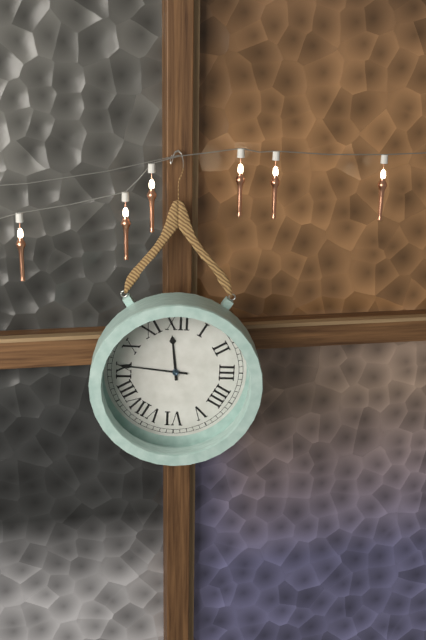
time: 11:46
